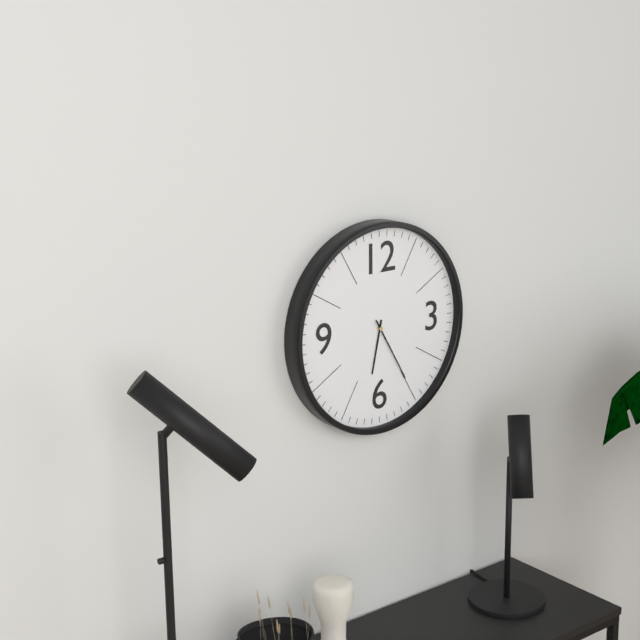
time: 6:25
